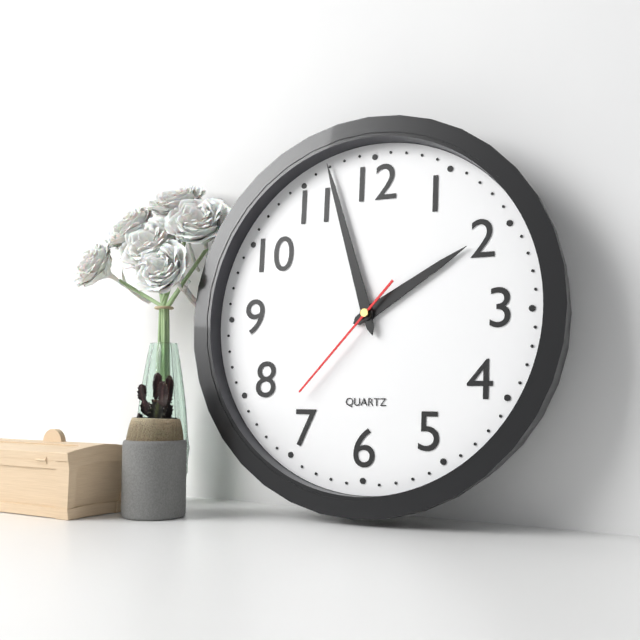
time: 1:57:37
